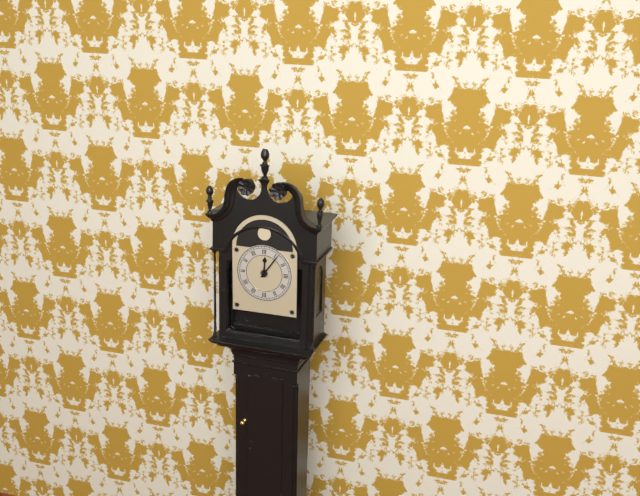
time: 12:06
